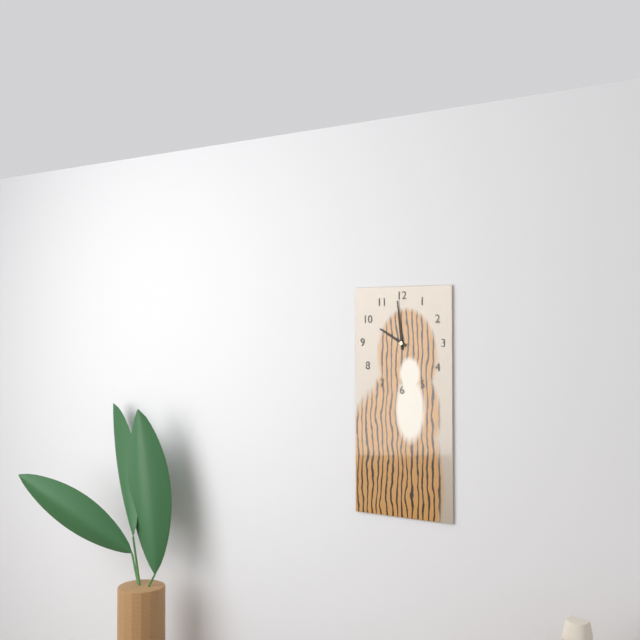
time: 9:59
